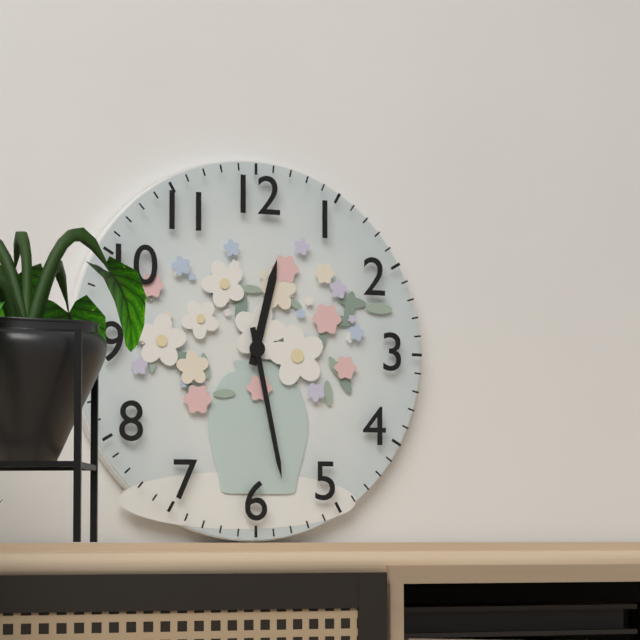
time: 12:28
